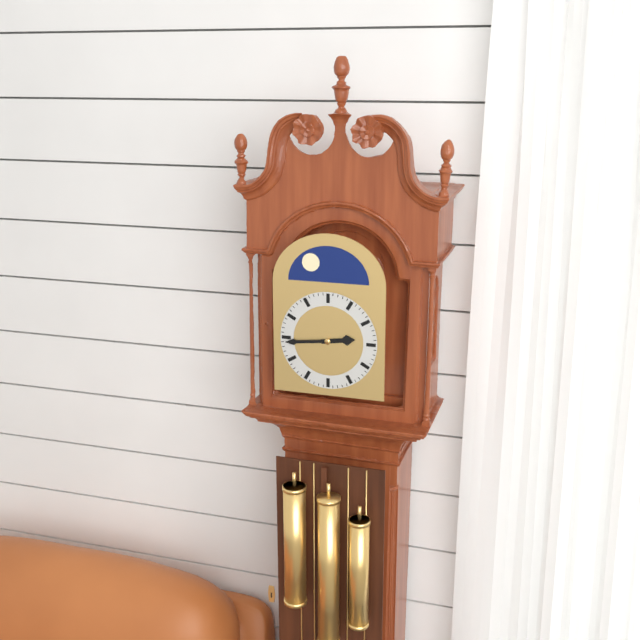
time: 2:44
